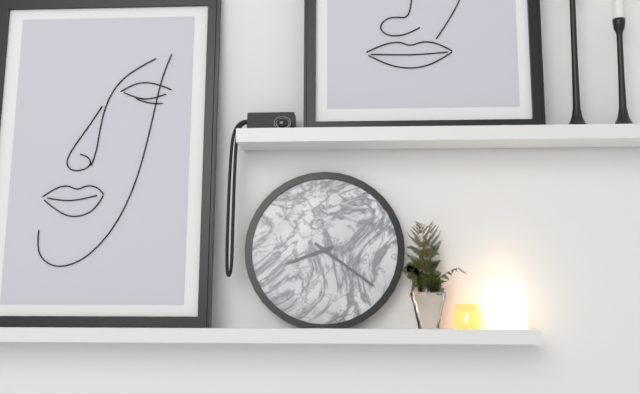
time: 8:21
